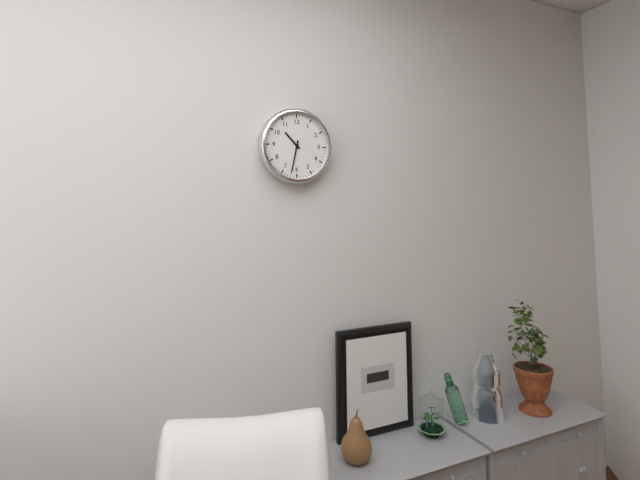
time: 10:32
